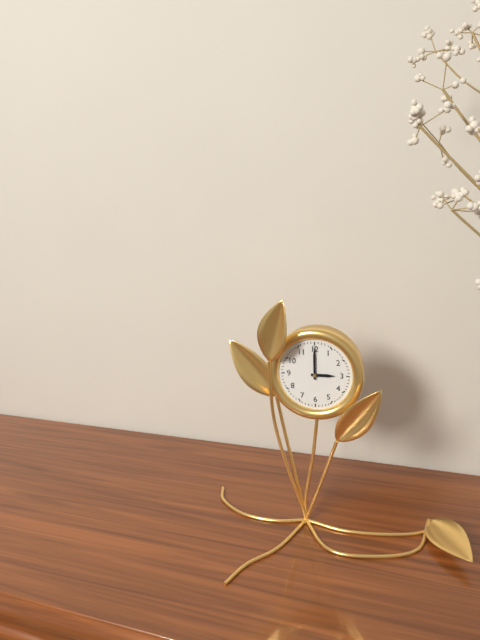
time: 3:00
